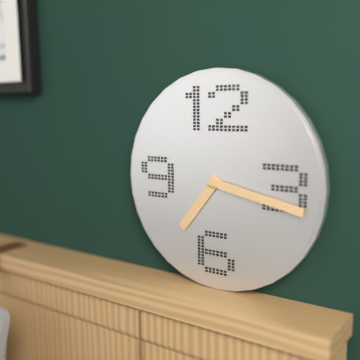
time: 7:17
